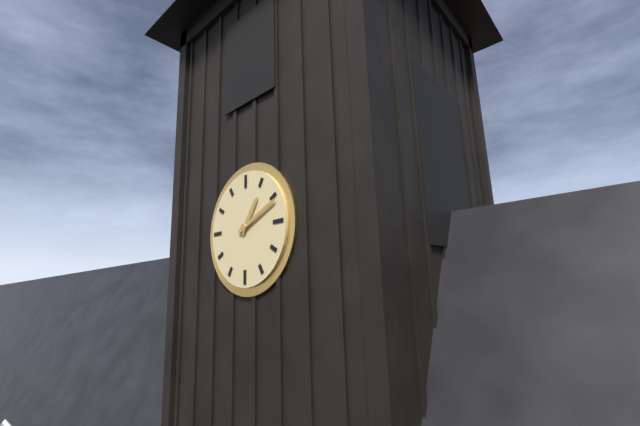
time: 1:11
